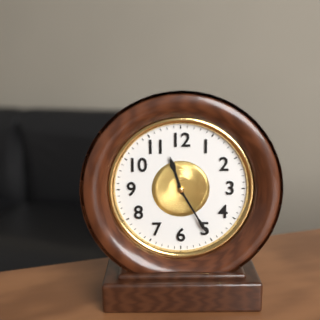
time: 11:25
